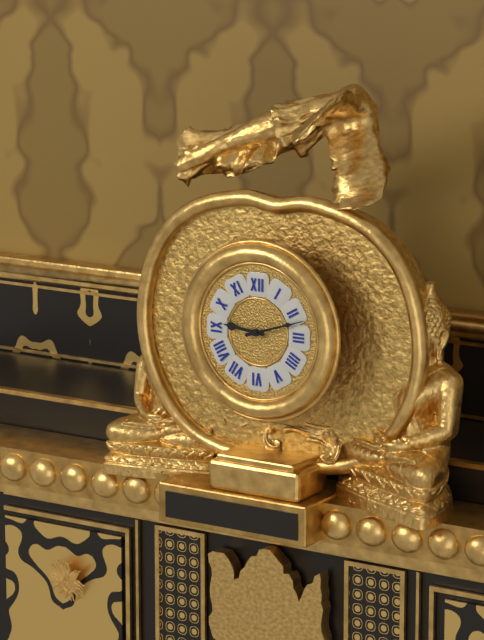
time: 9:12
